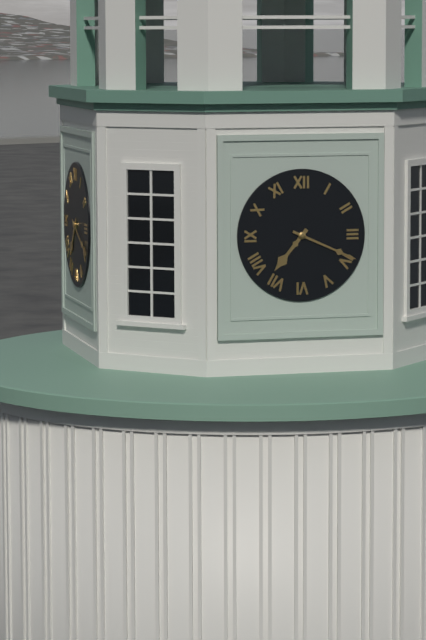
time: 7:19
